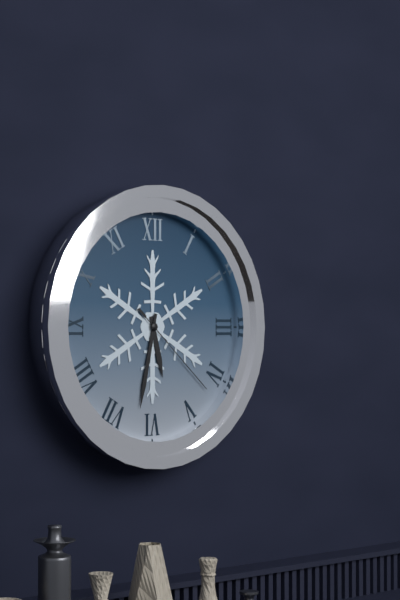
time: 5:32:22
